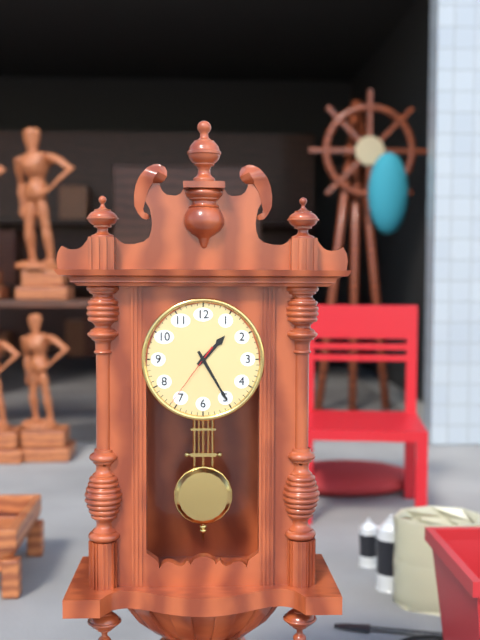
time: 1:25:36
